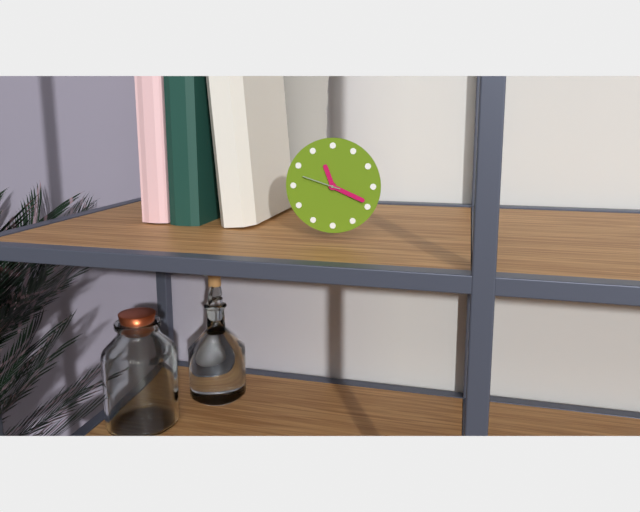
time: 11:19
